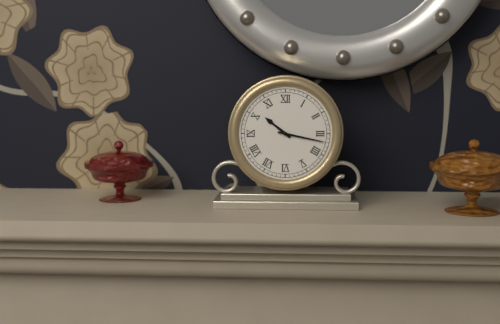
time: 10:17
